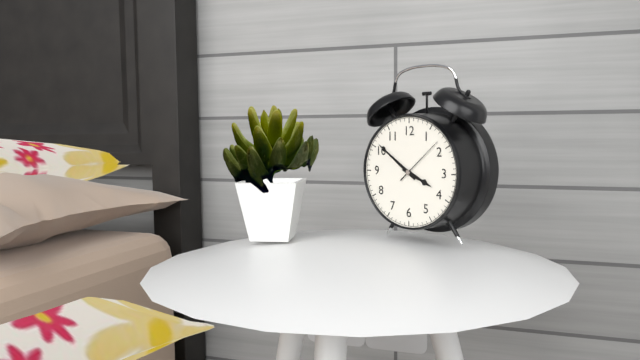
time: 3:51:08
